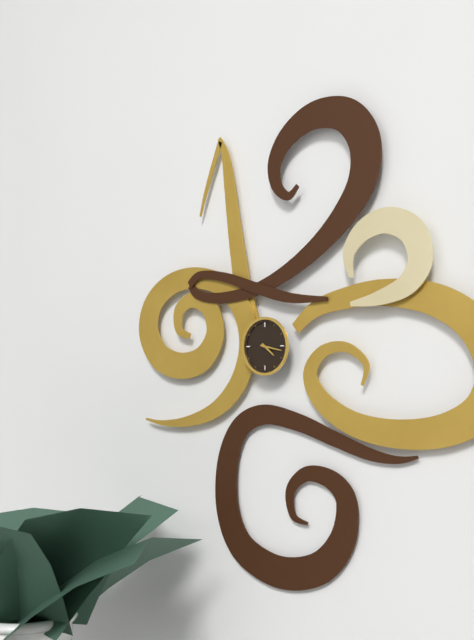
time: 4:17
